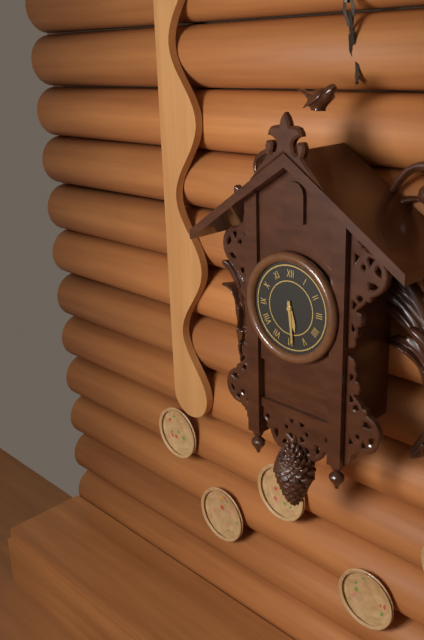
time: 5:29
